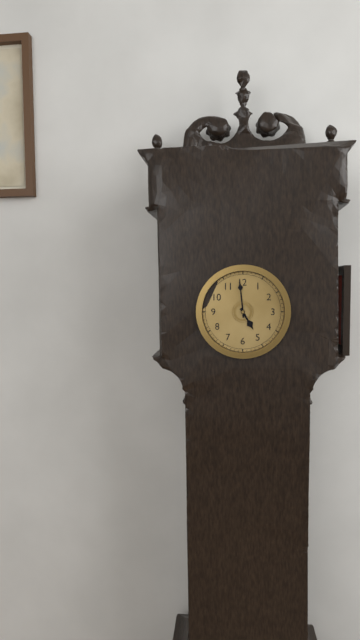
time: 4:59
